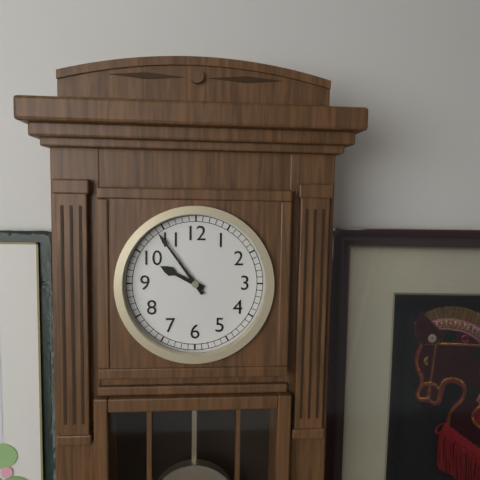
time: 9:54
